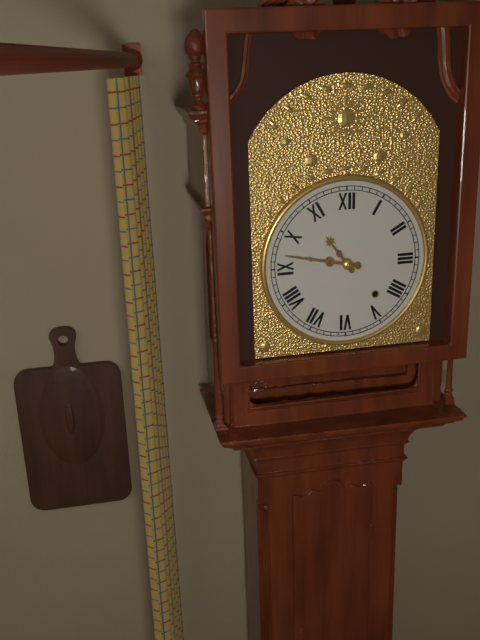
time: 10:47
